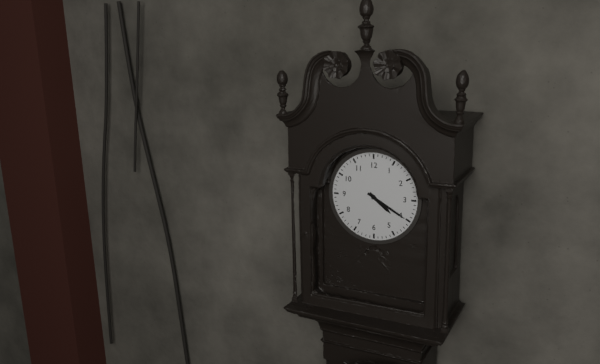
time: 4:20
